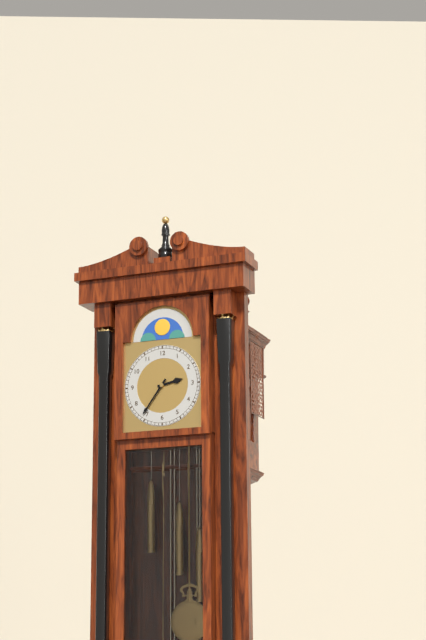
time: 2:36
